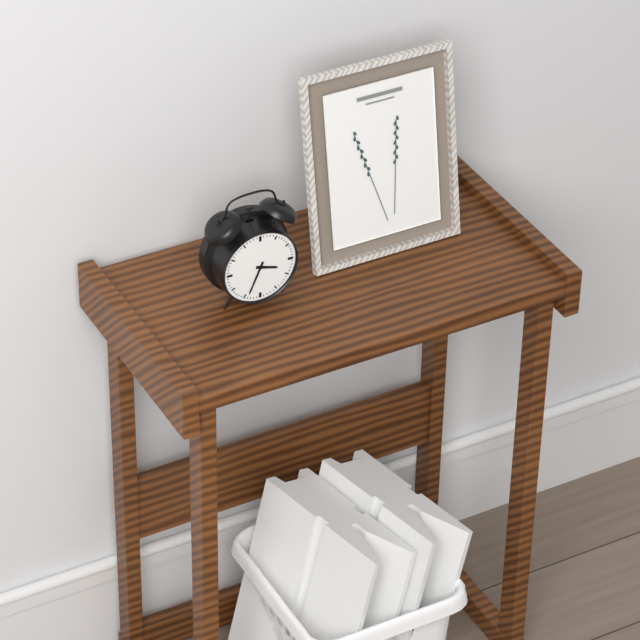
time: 3:34
